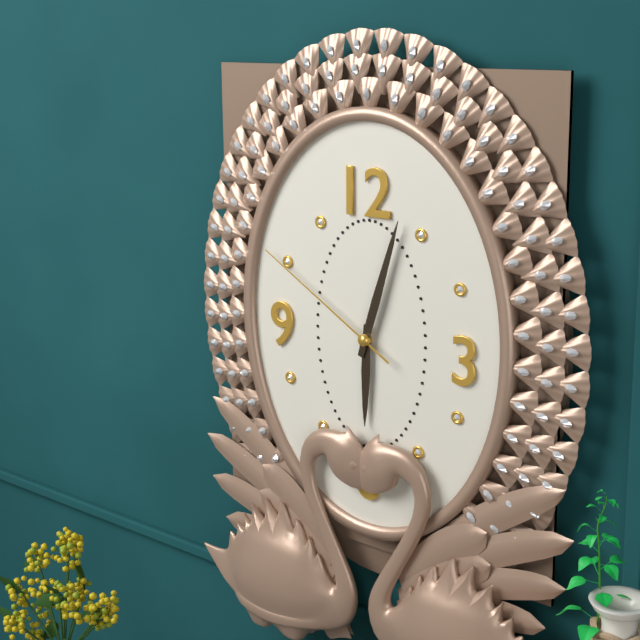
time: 6:03:50
